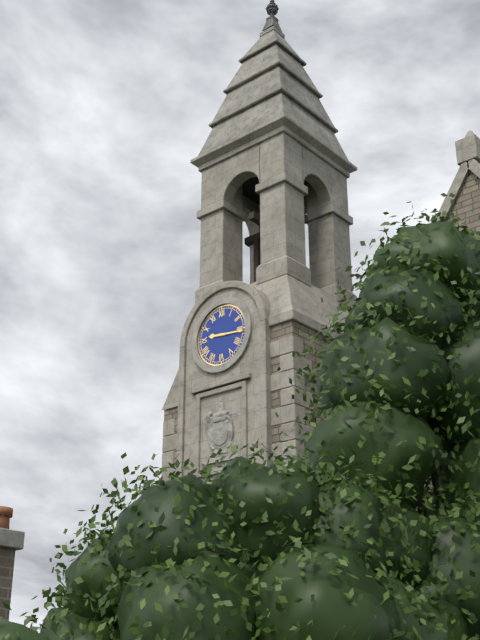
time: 9:16
